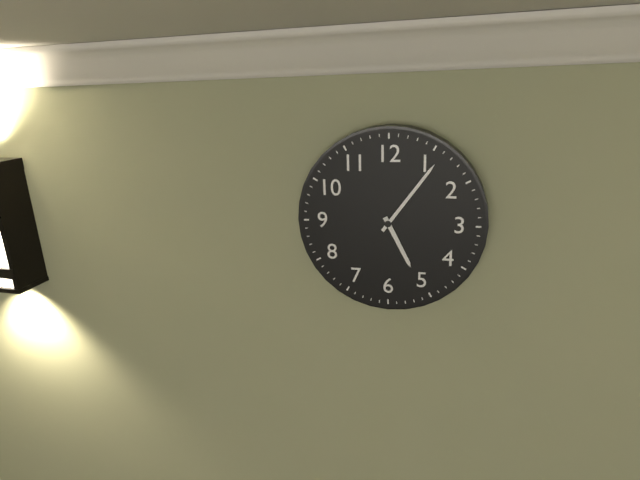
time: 5:06
